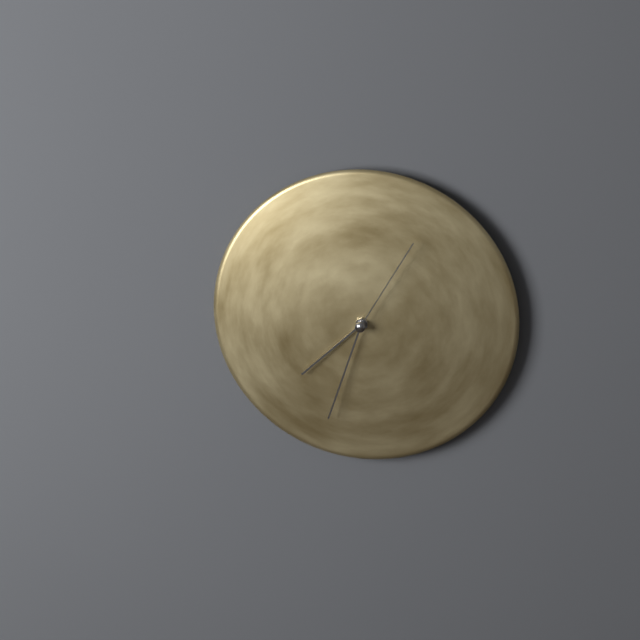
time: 7:33:05
